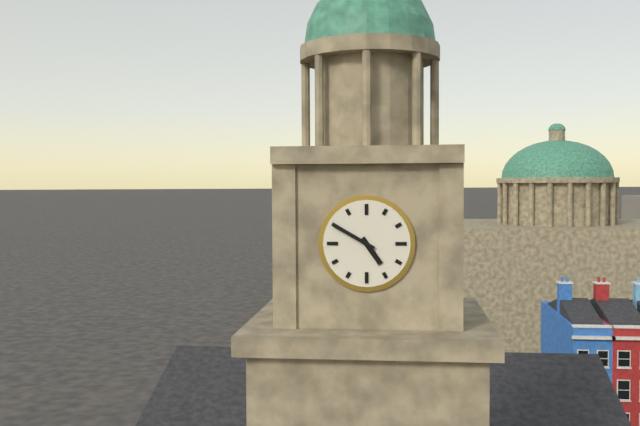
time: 4:50
